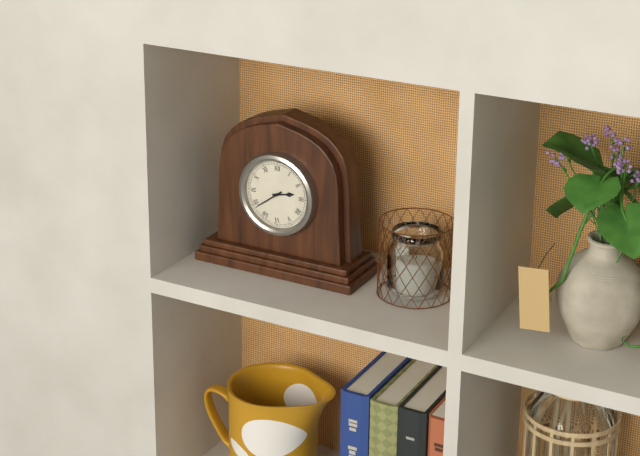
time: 2:39
